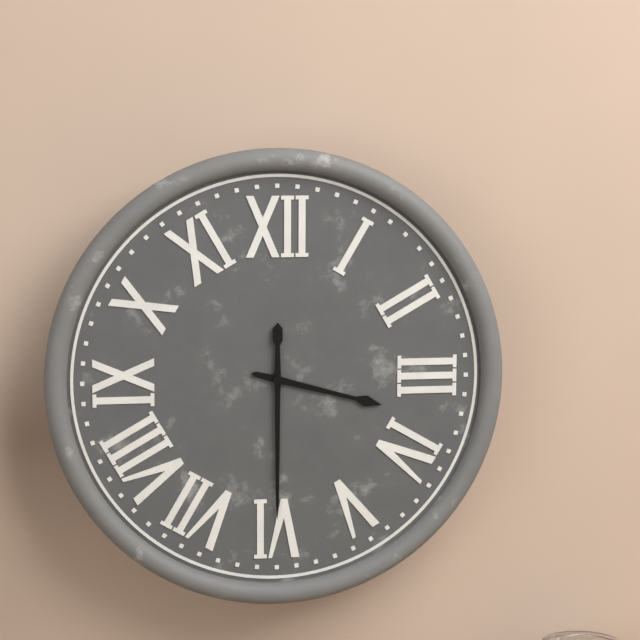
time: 3:30
